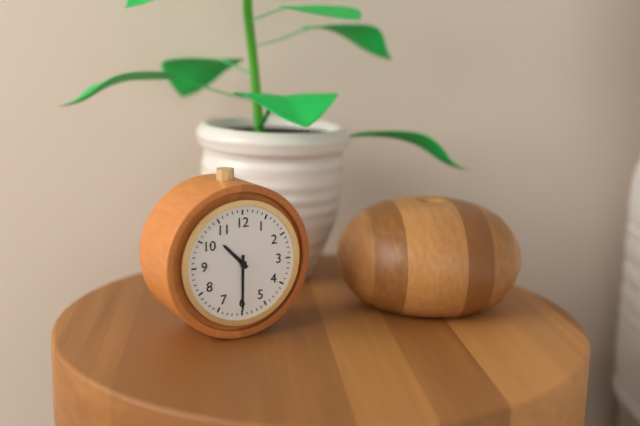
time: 10:30
